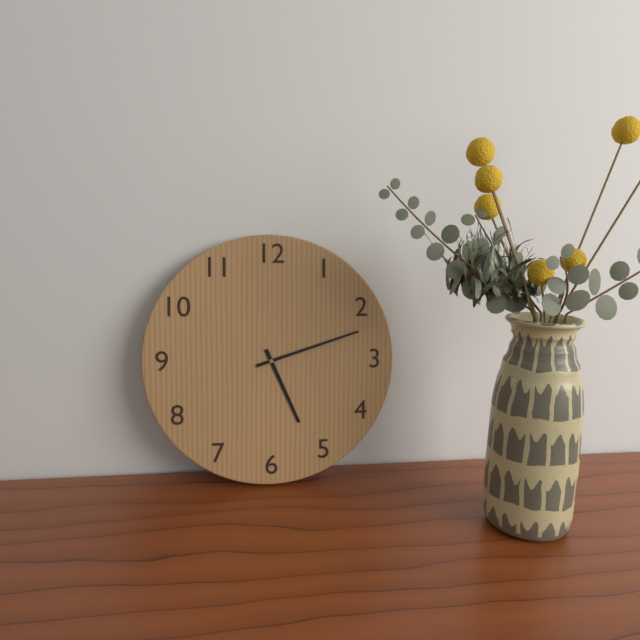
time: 5:12
